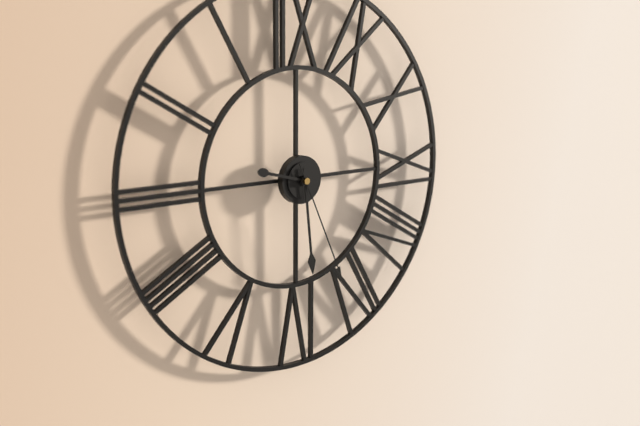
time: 9:29:26
